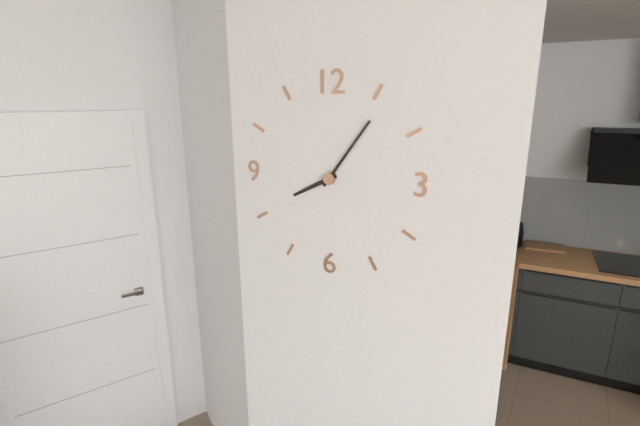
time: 8:06
